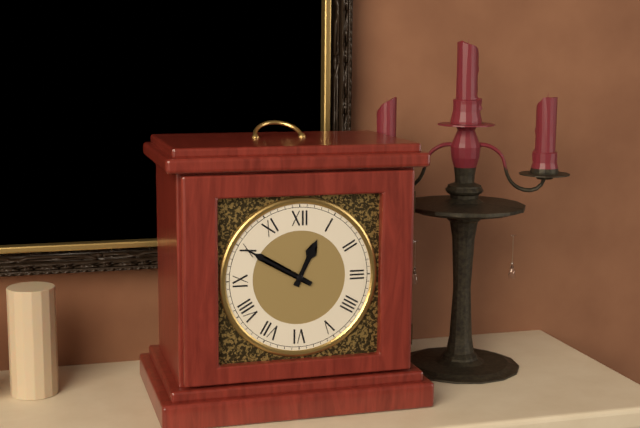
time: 12:50
